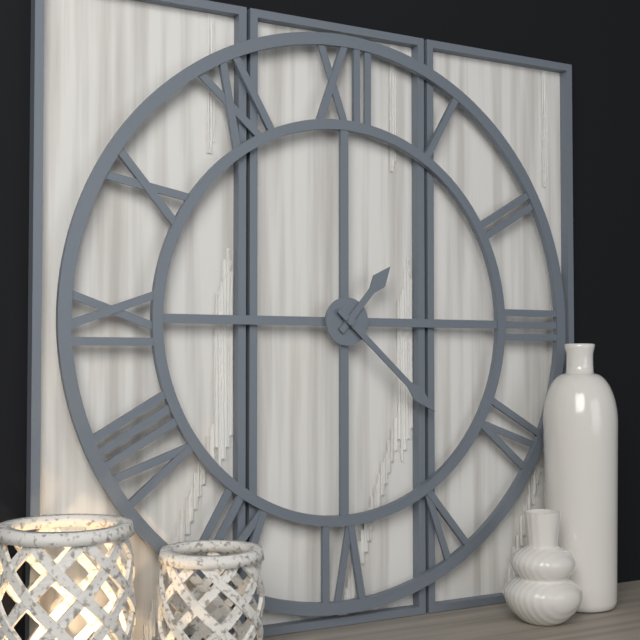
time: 1:22
